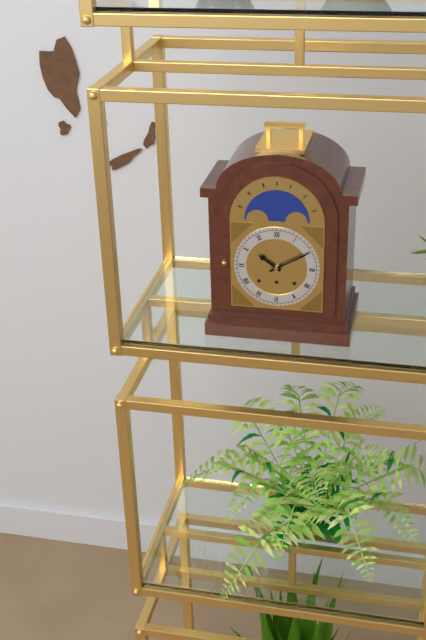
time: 10:10
